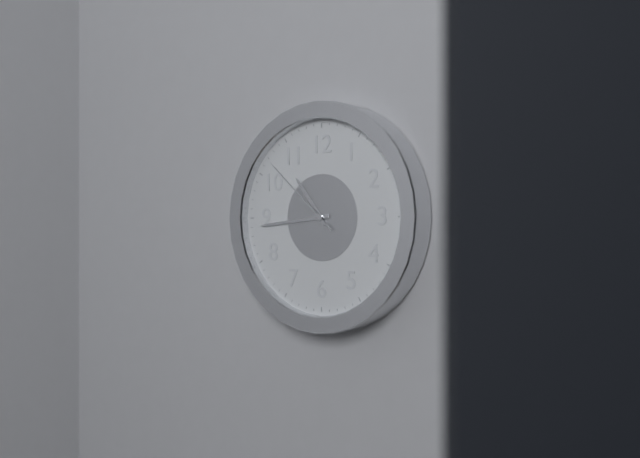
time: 10:44:52
